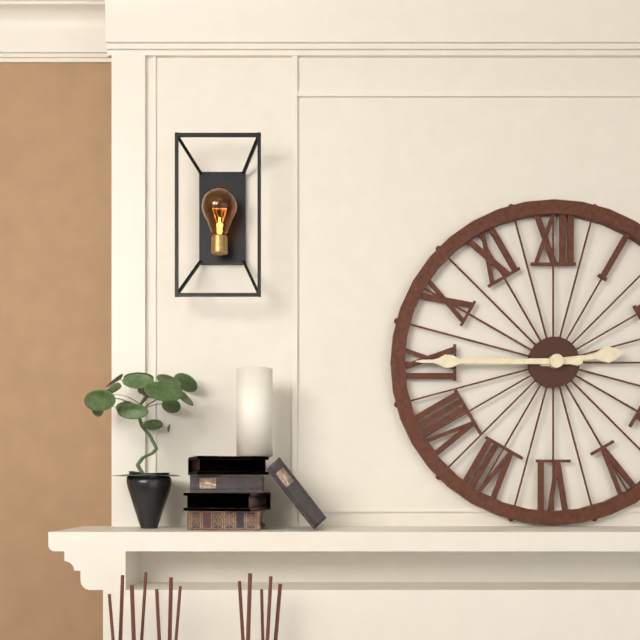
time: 2:45
